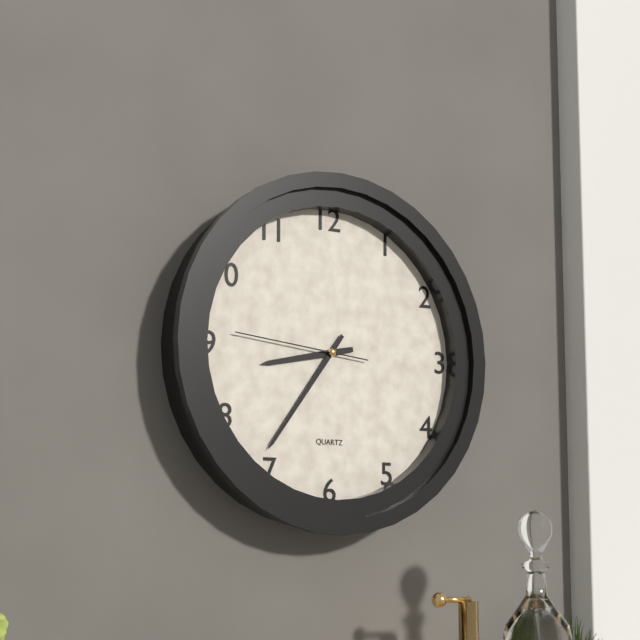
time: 8:36:46
